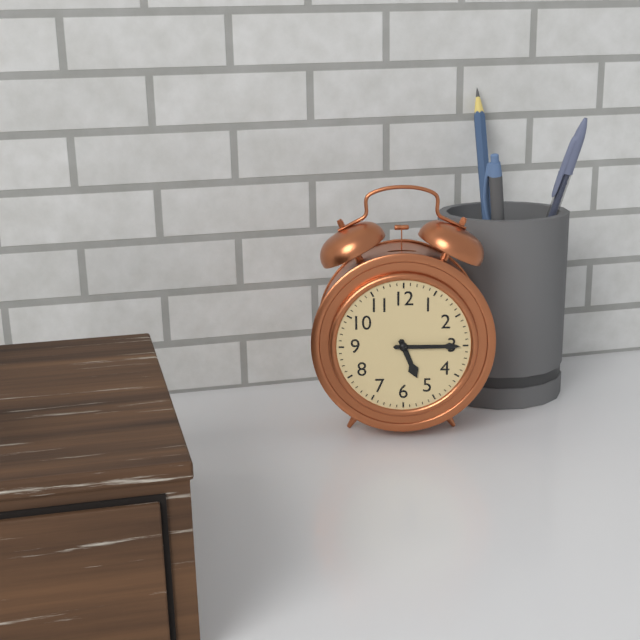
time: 5:15
